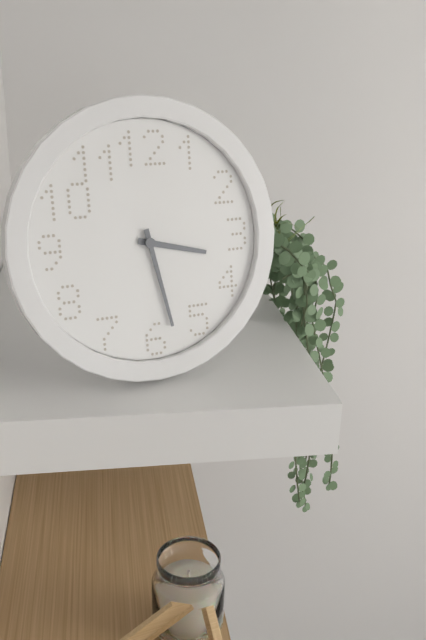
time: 3:28
